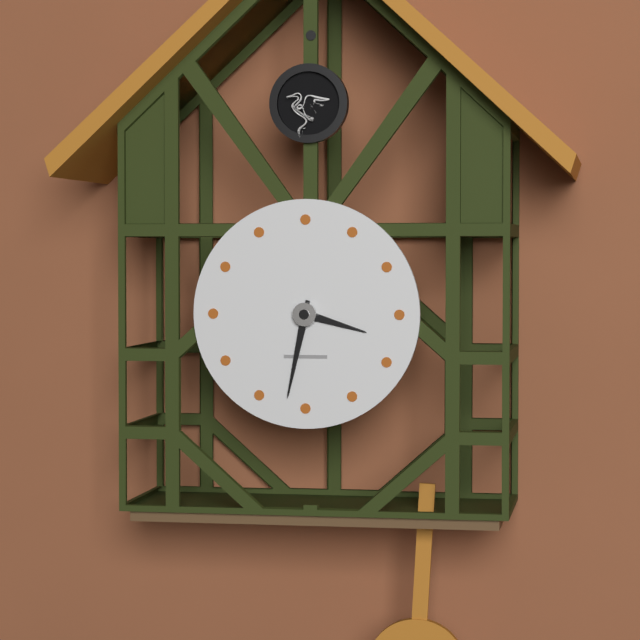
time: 3:32
